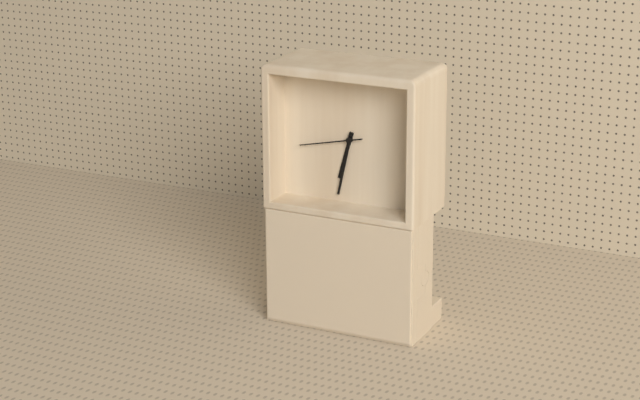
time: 6:32:43
